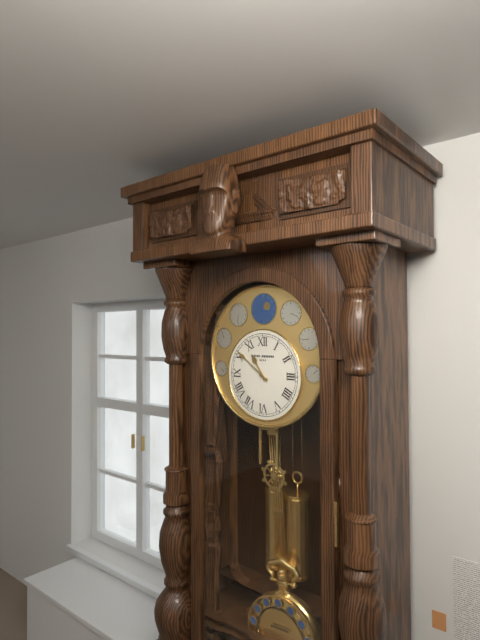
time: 10:51
